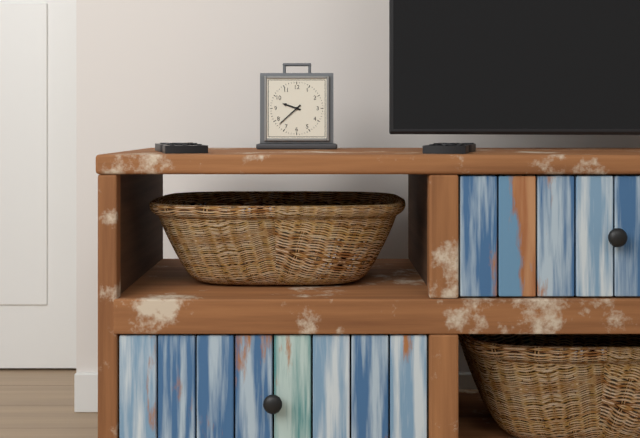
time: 9:38
